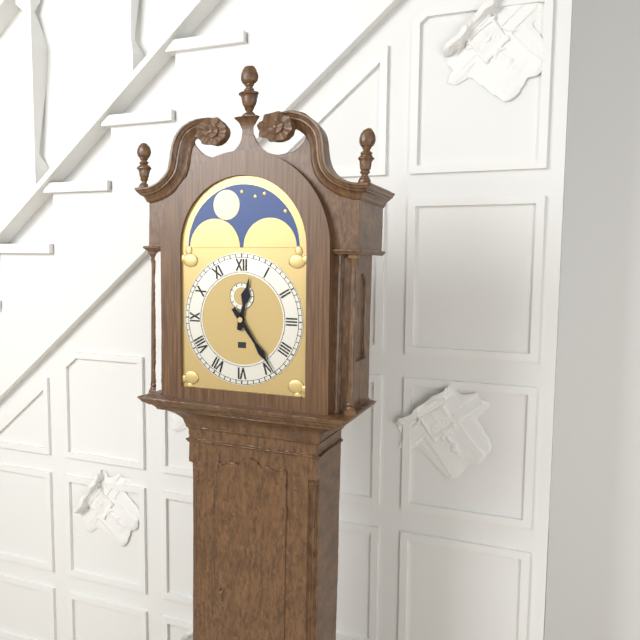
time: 12:24
